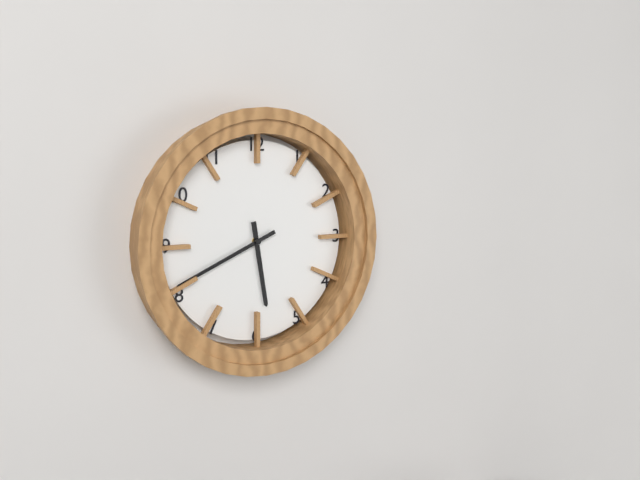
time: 5:41
